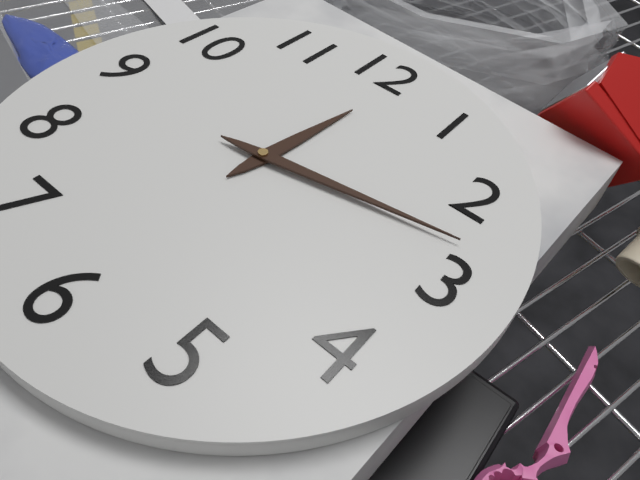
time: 12:13
